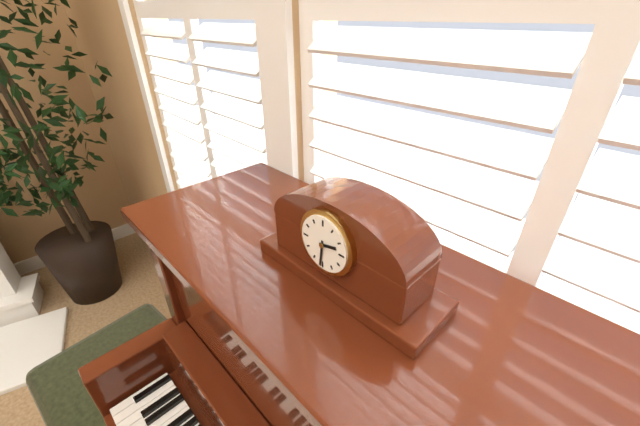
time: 2:31
